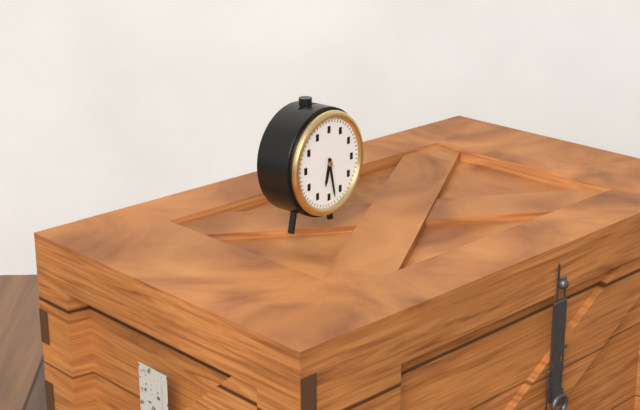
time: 6:28
